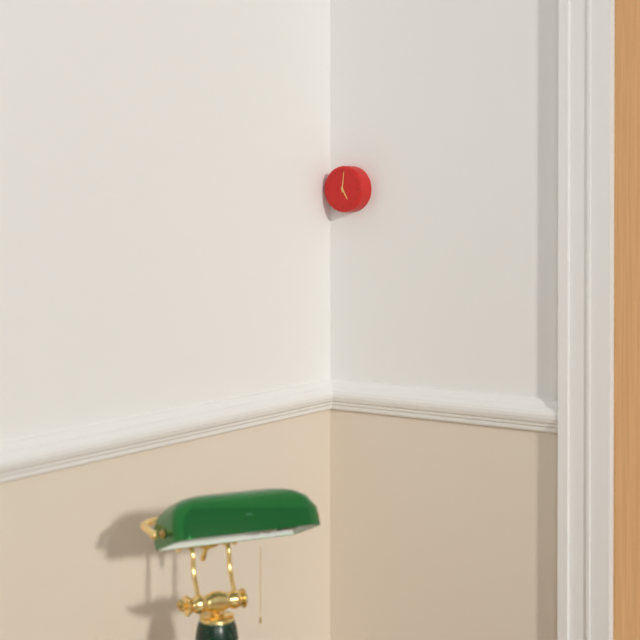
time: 5:01
